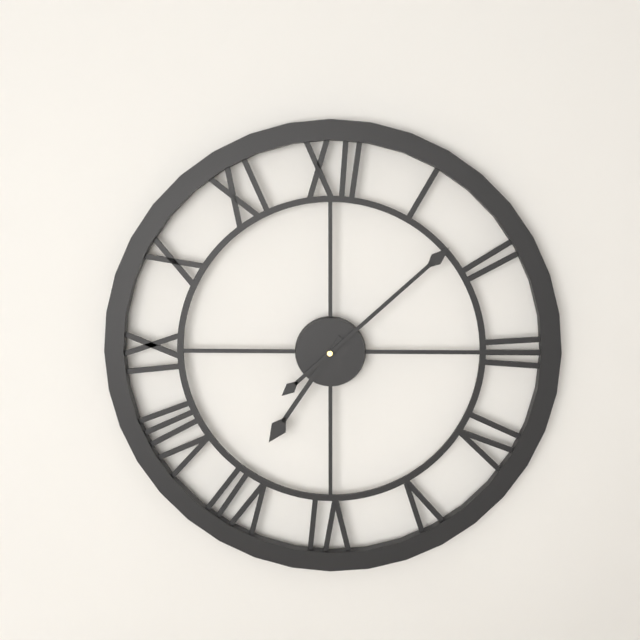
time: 7:08
